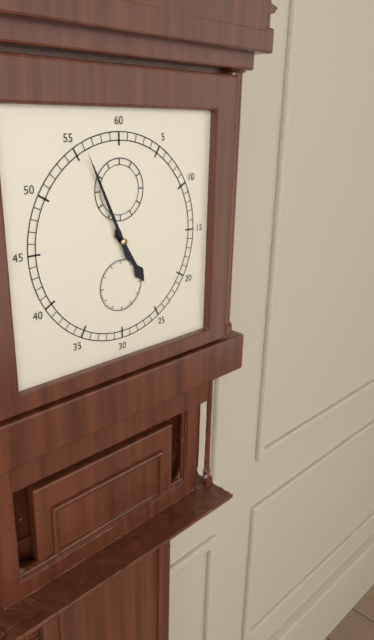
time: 4:56
